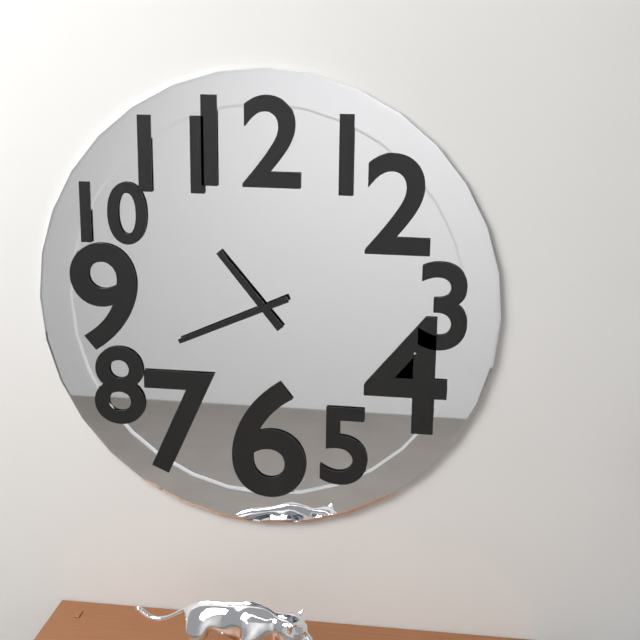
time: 10:41
